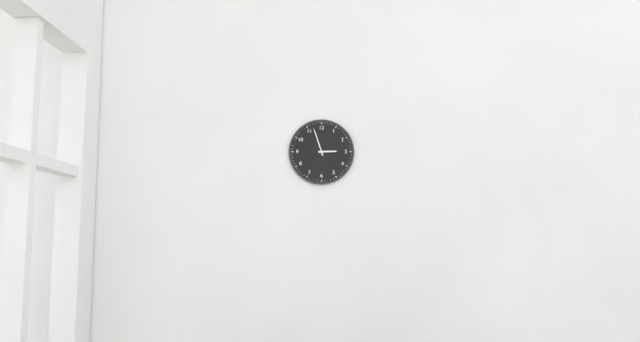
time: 2:57
